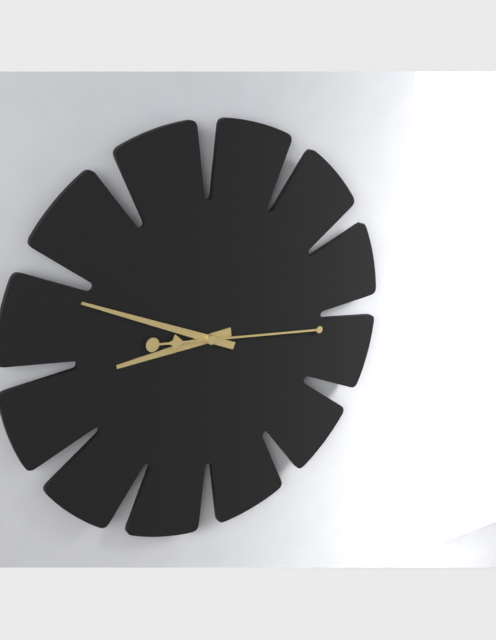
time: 8:49:16
